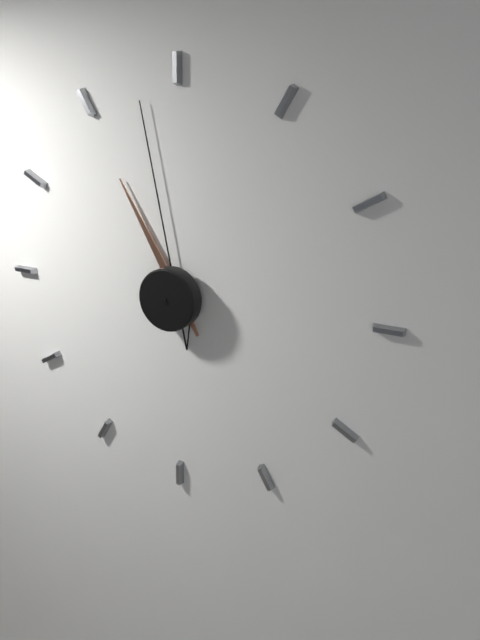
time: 10:58
